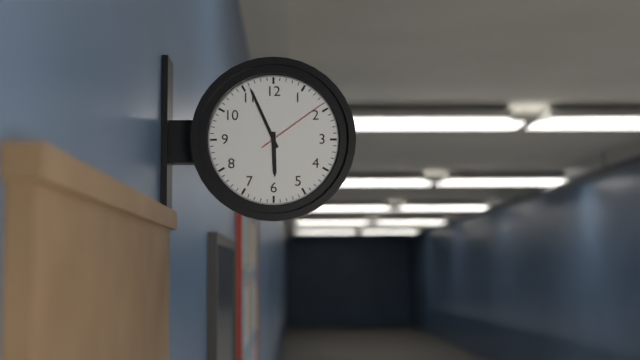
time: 5:56:09
